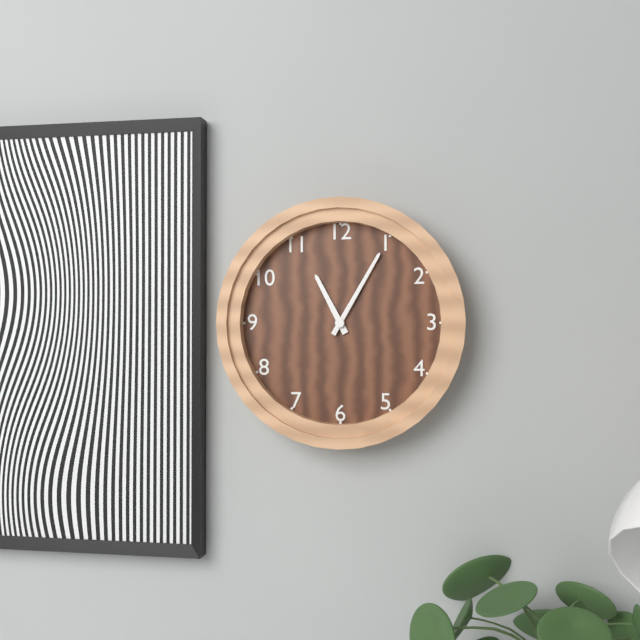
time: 11:05
